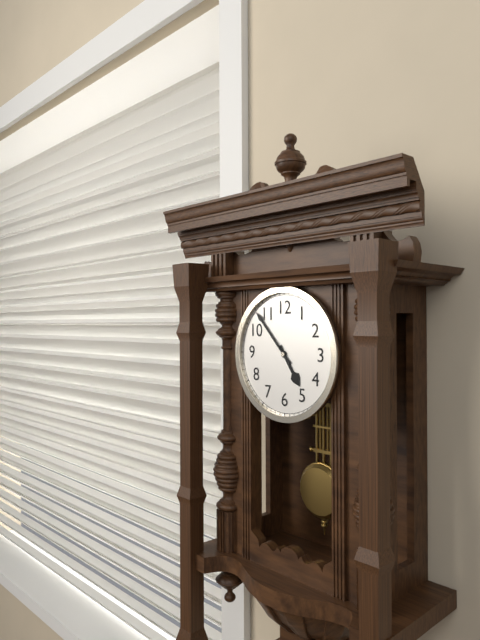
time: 4:53
